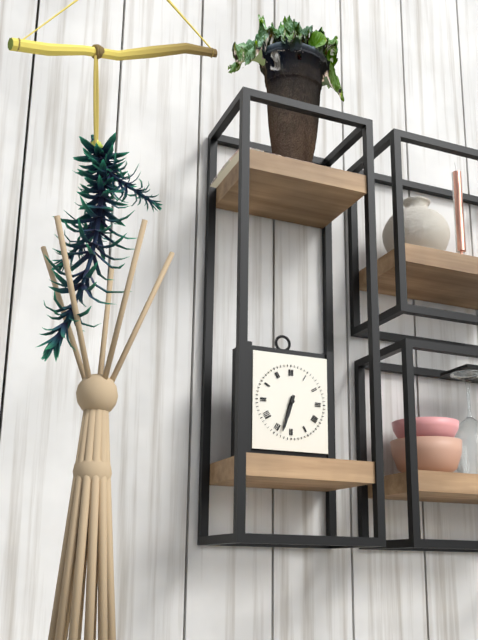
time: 6:33
